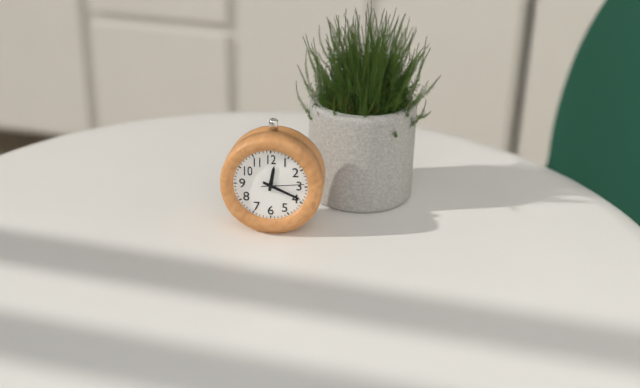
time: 12:19
